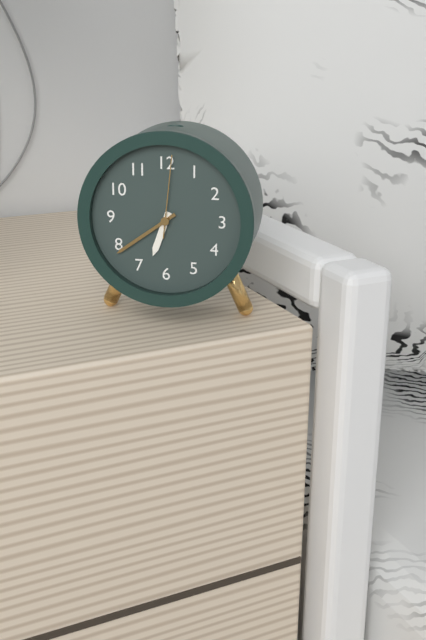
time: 6:39:01
